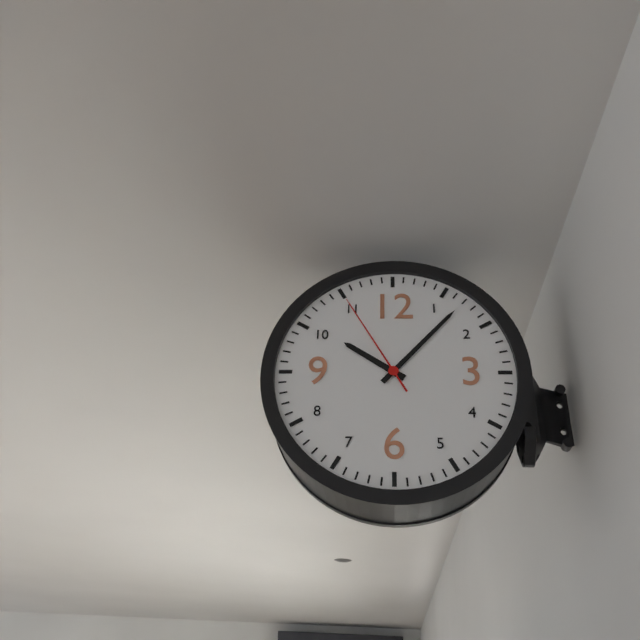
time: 10:07:55
